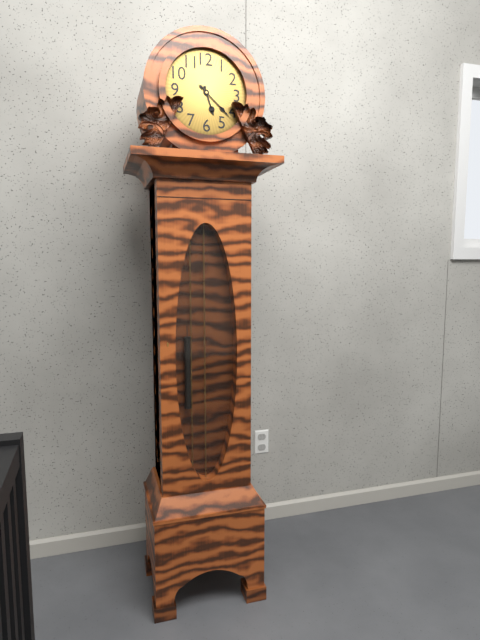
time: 5:22
